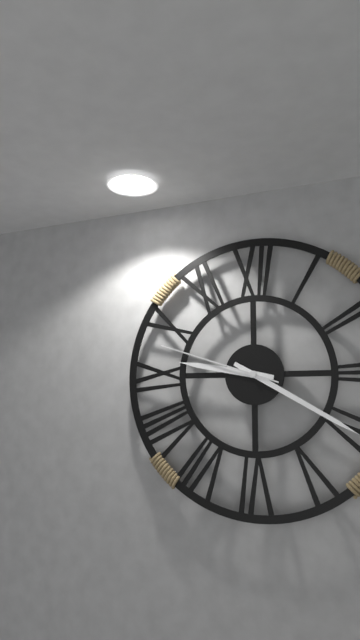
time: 9:20:48
